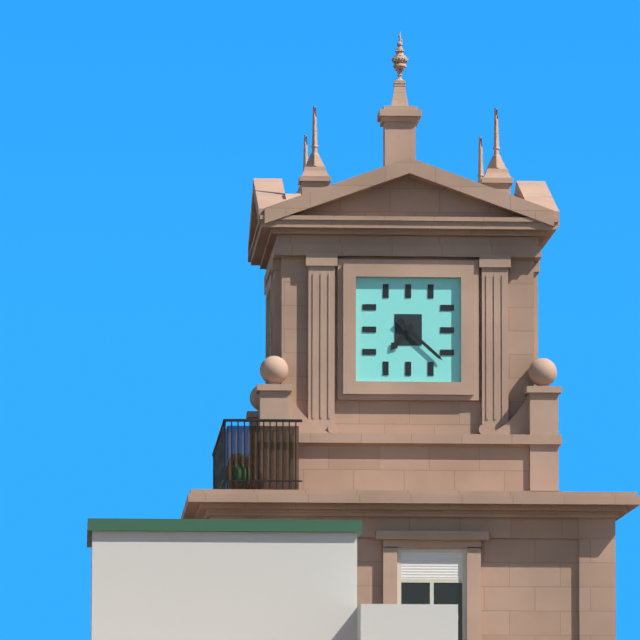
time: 7:22
